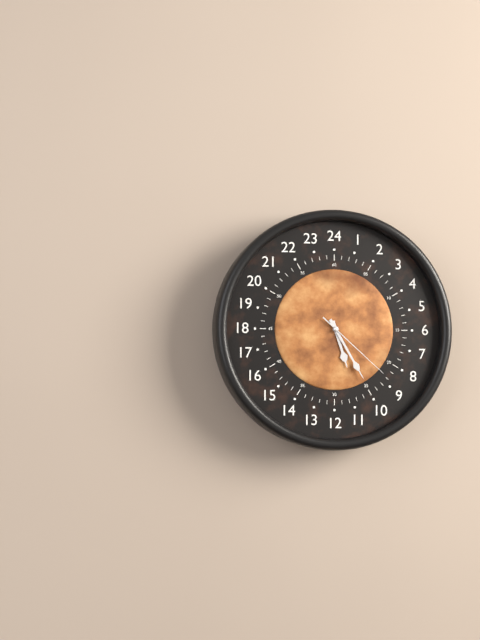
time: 5:25:22
